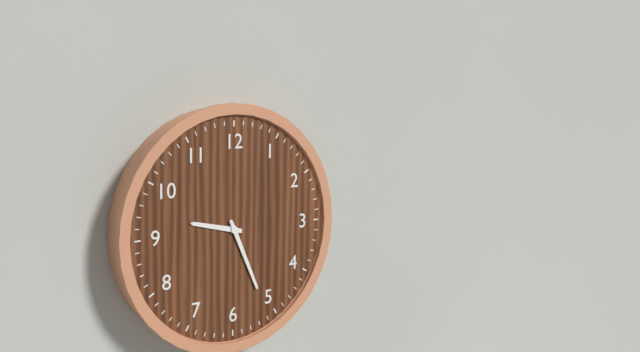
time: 9:26
